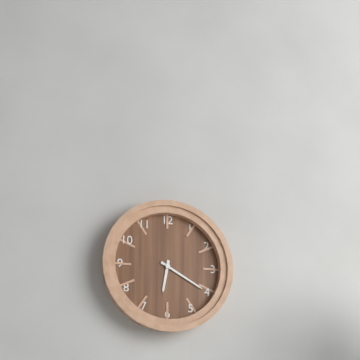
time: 6:20
